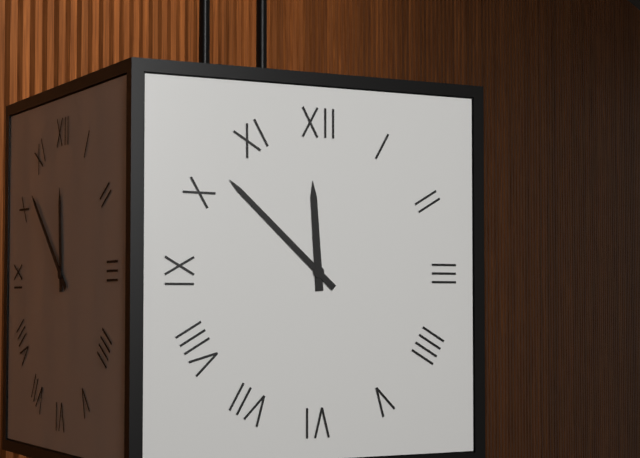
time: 11:52
